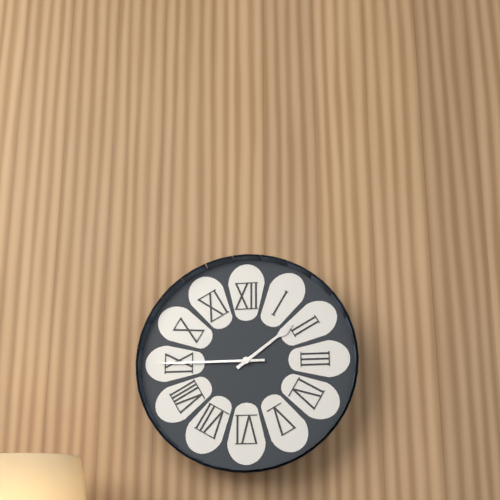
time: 1:45
